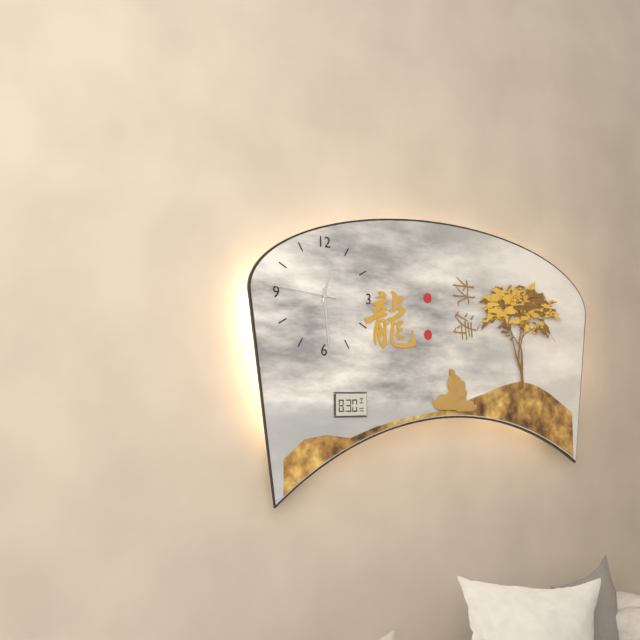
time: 12:29:46
